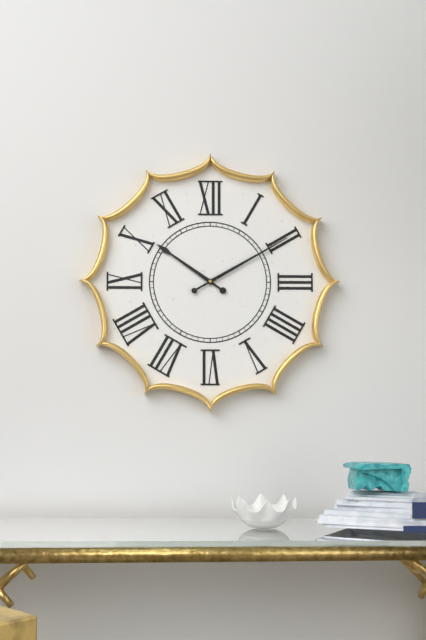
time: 10:10
